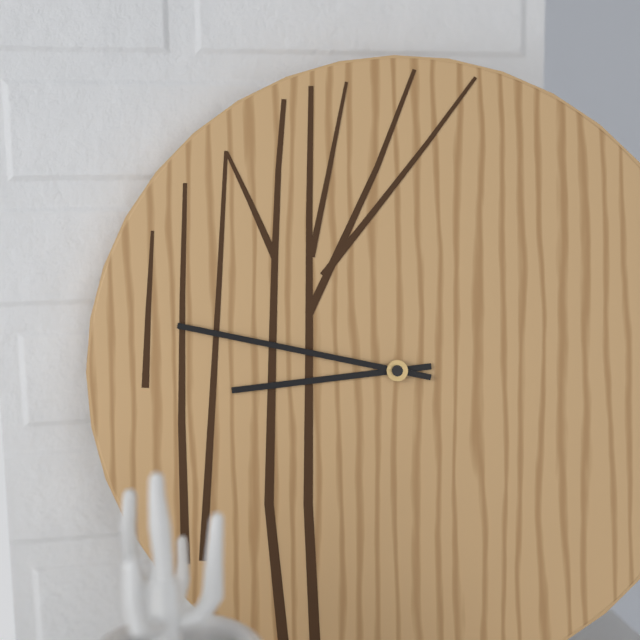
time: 8:47
